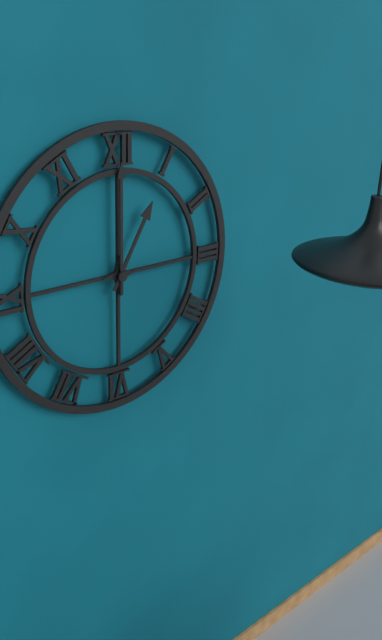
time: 1:00
